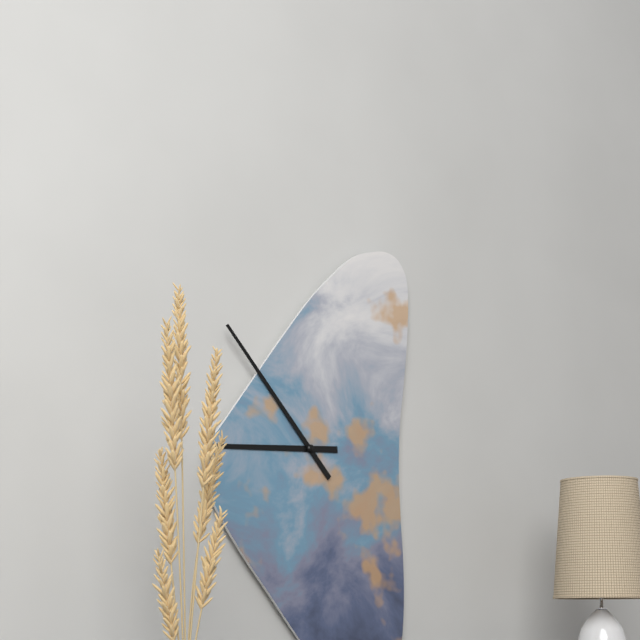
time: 8:53
